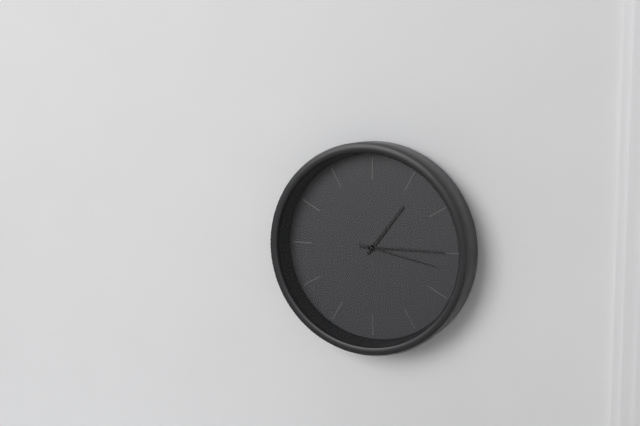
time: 1:15:17
